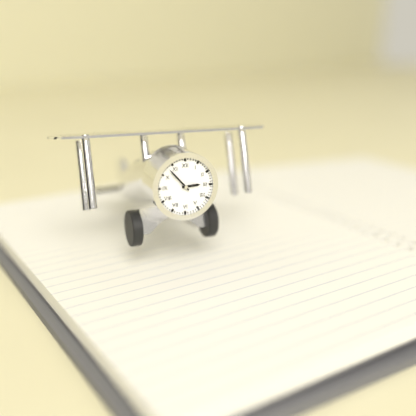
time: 2:53
